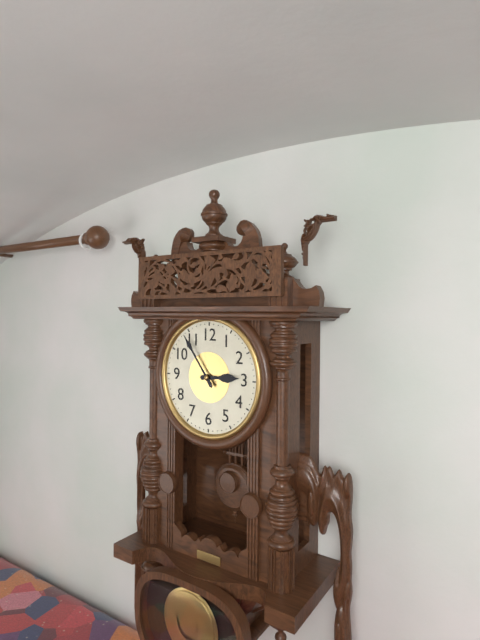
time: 2:54
